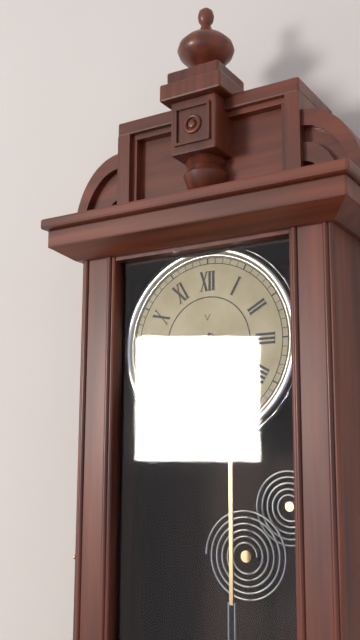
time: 6:43
